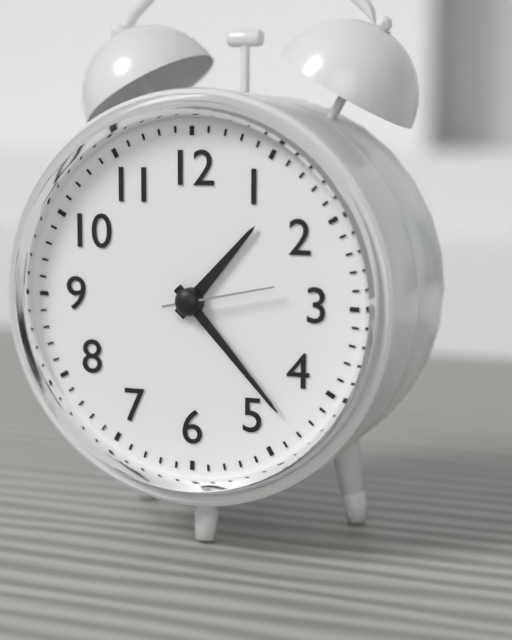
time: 1:23:13
